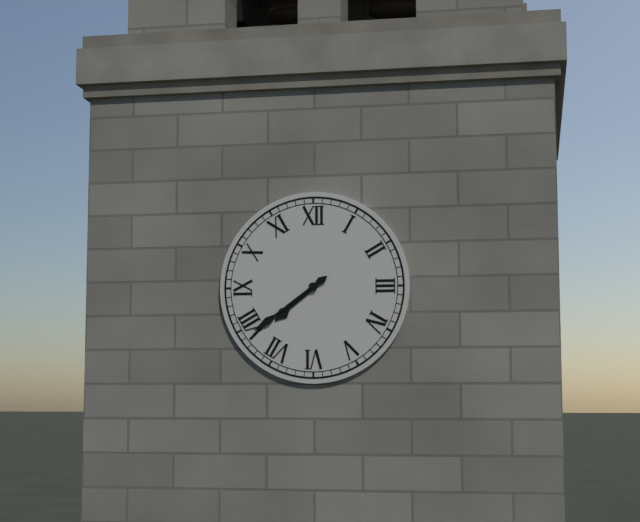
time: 7:39
